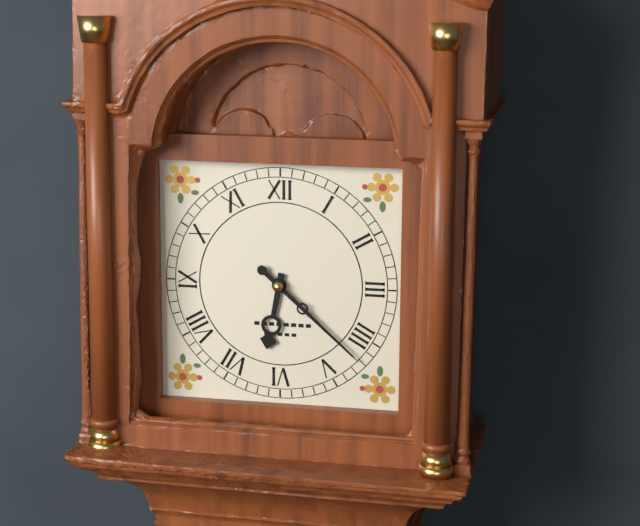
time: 6:22
